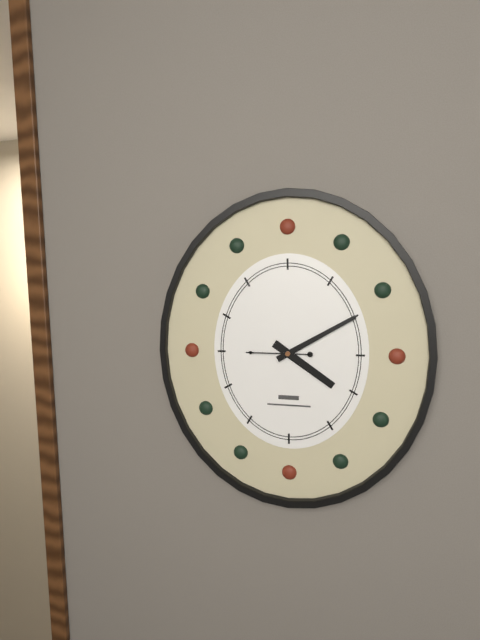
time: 4:10:45
